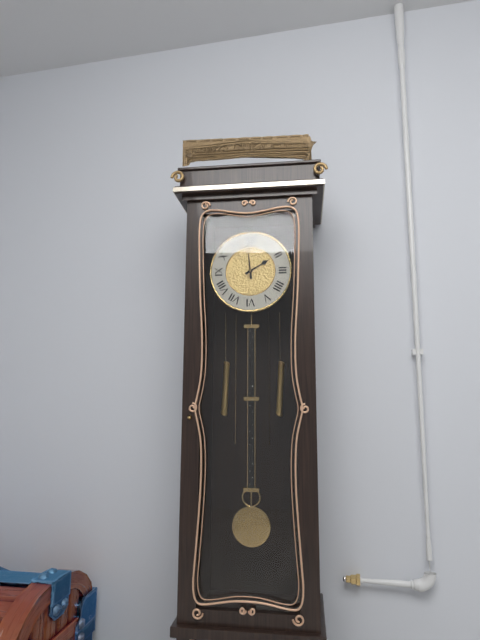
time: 1:59
